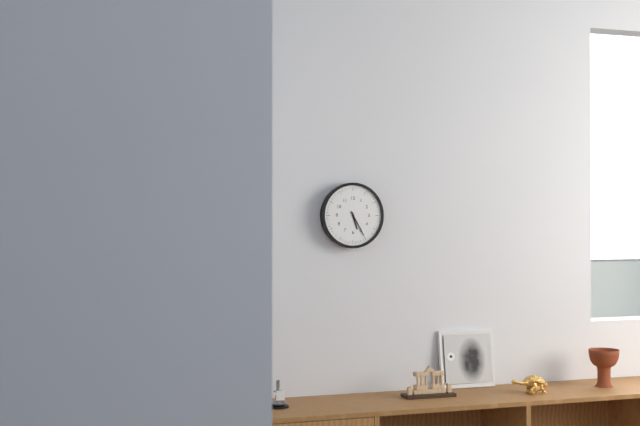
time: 5:25
